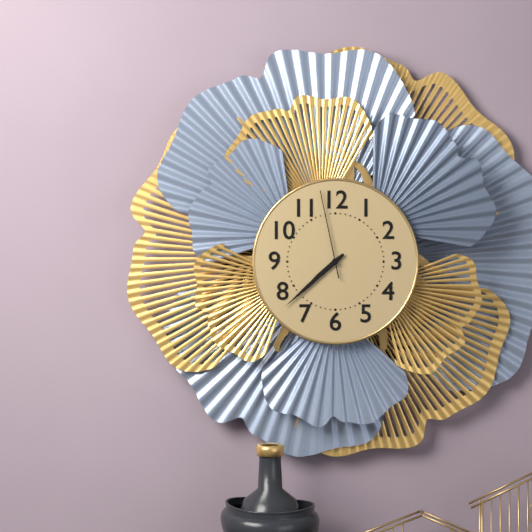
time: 7:38:58
